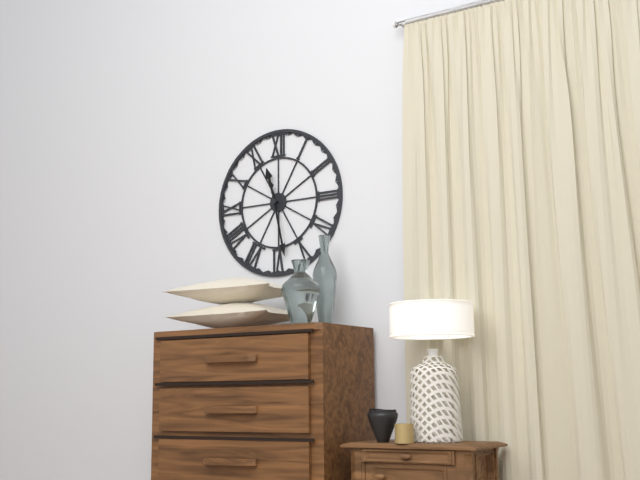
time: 11:28
